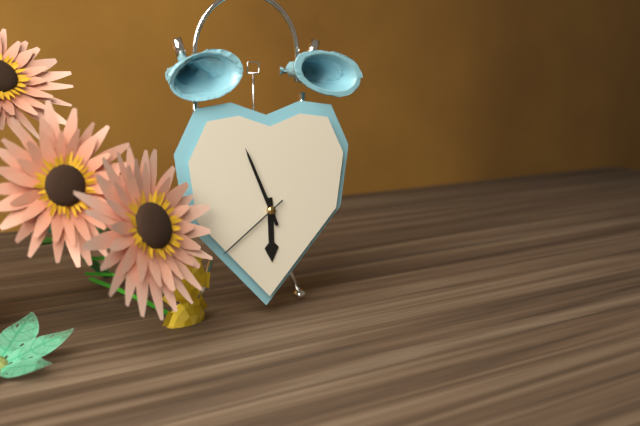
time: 5:56:39
